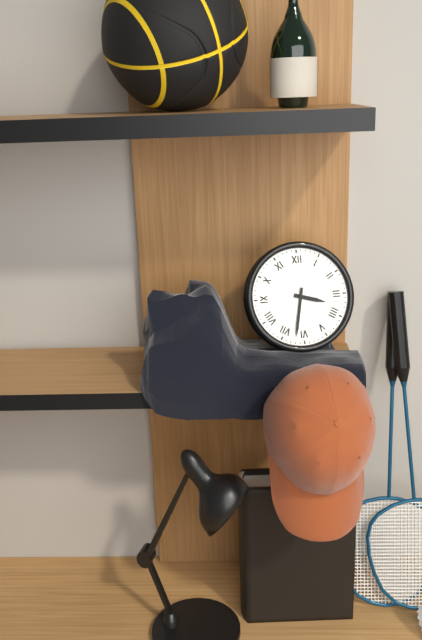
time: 3:32
